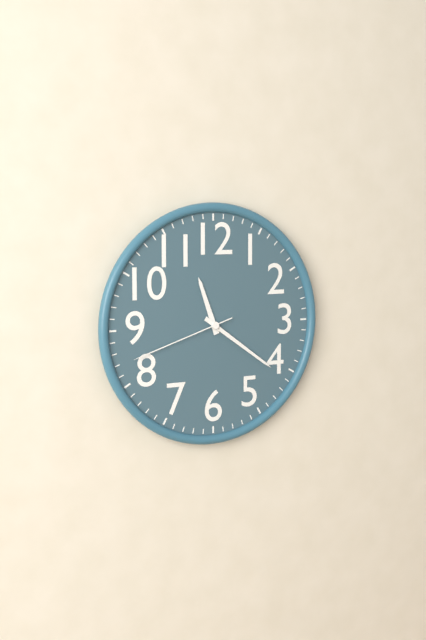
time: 11:21:42
